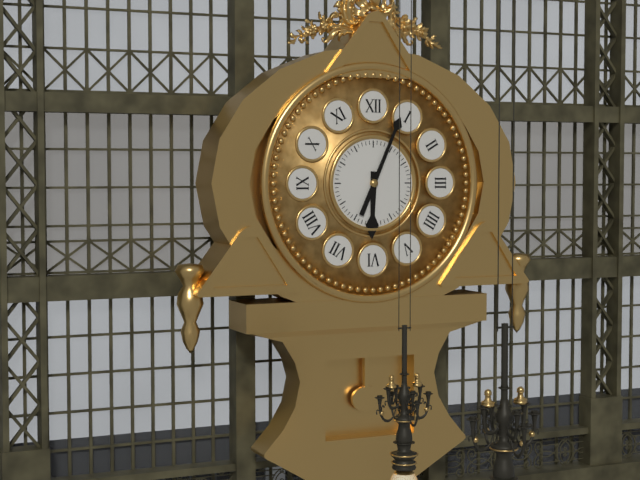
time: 6:04
